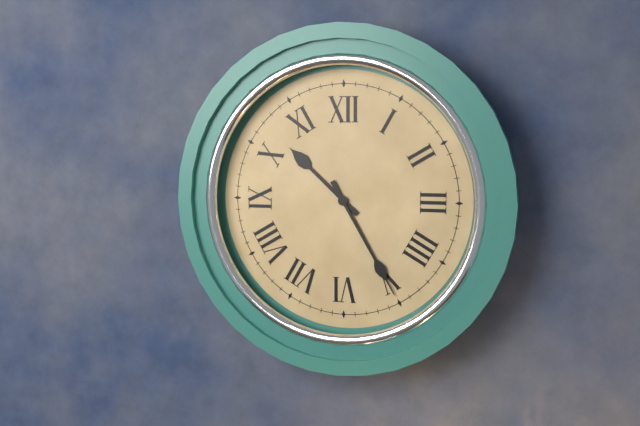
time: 10:25
